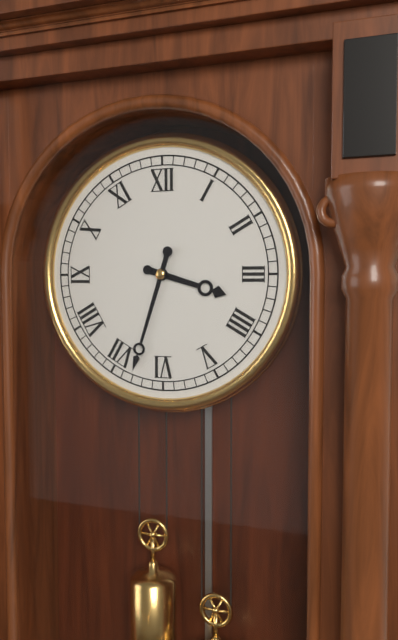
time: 3:33
